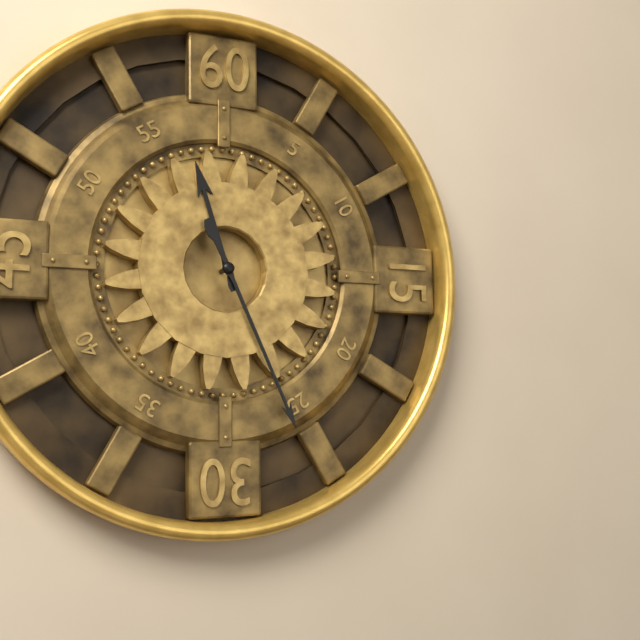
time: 11:26
